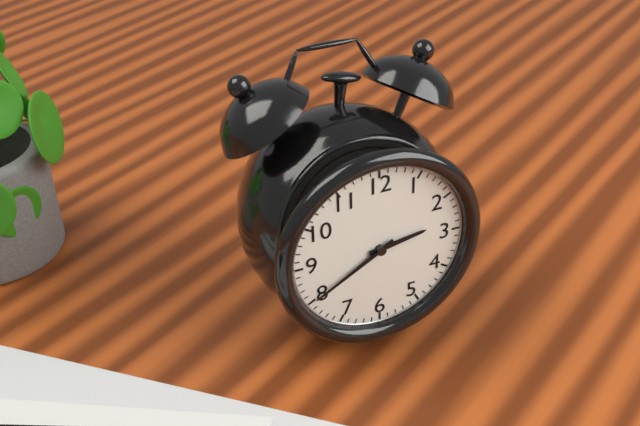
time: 2:40
